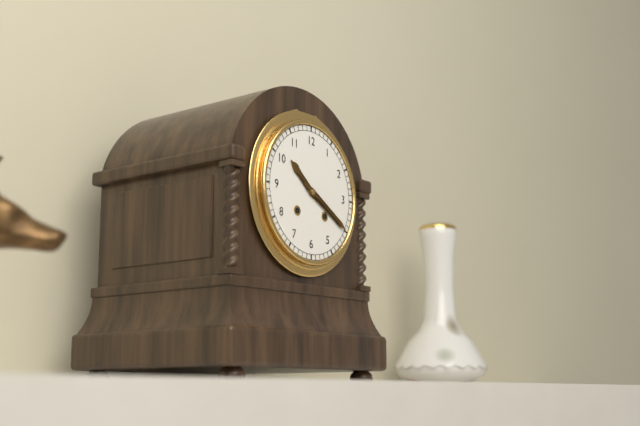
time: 10:20
